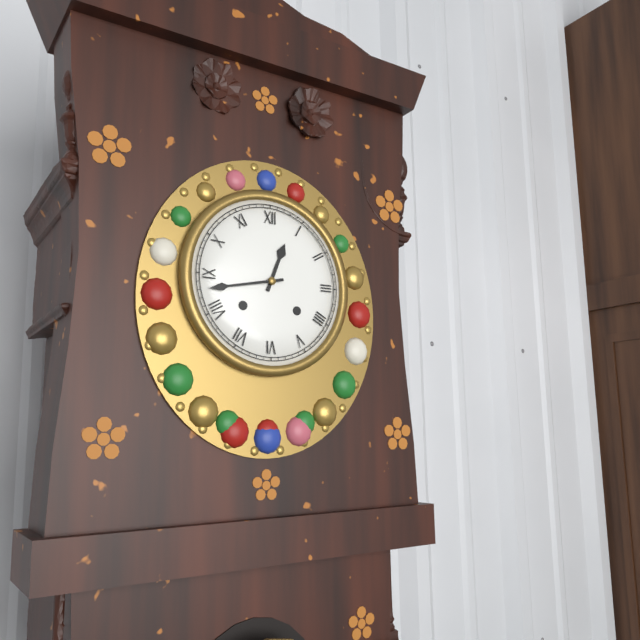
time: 12:43
